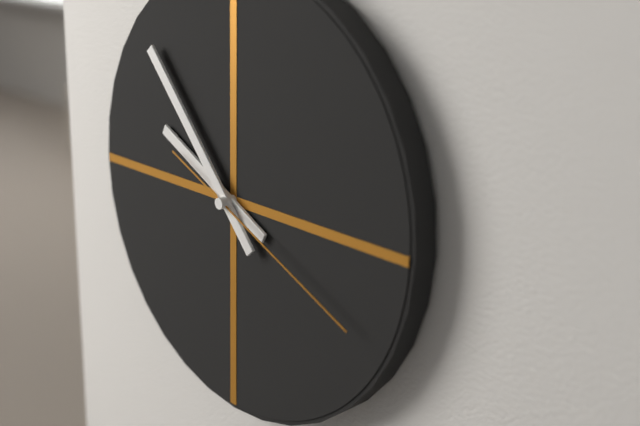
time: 9:53:19
